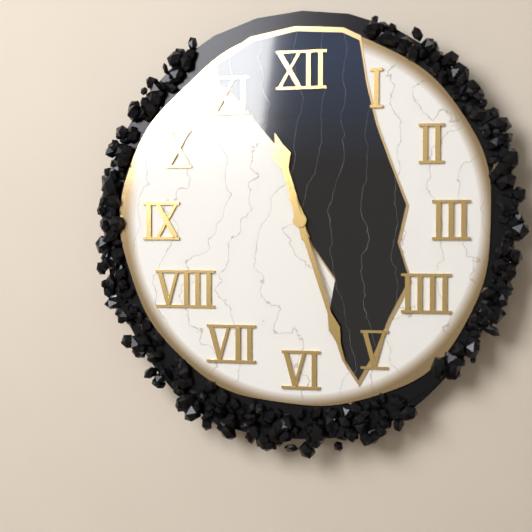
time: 11:27
